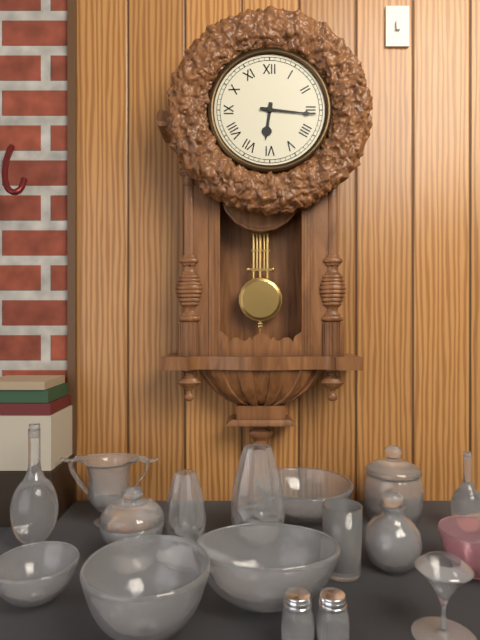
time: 6:16
